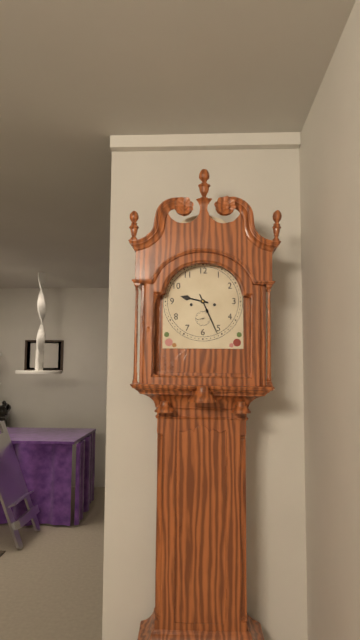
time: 9:26
